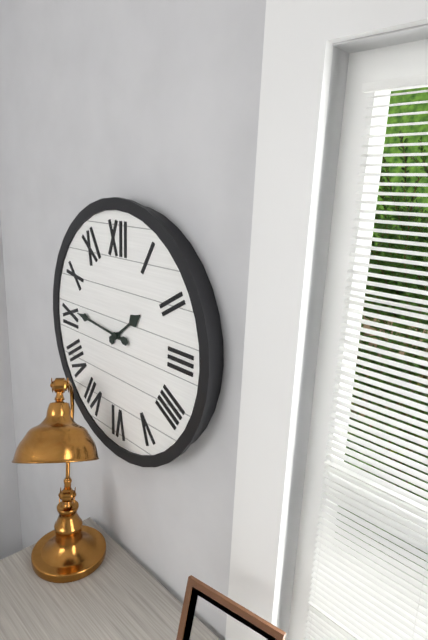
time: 1:46
